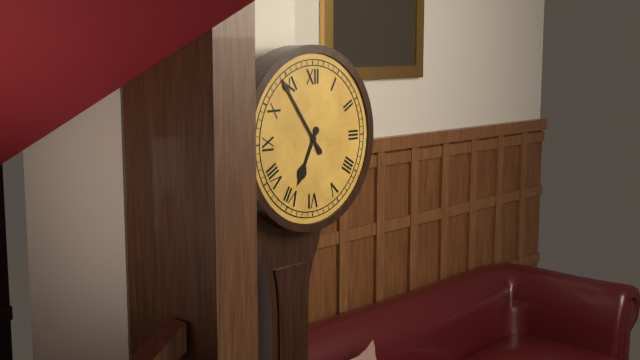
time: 6:54
